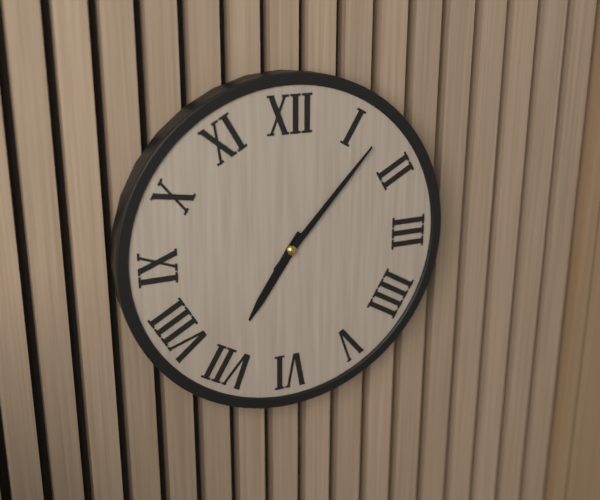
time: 7:07
